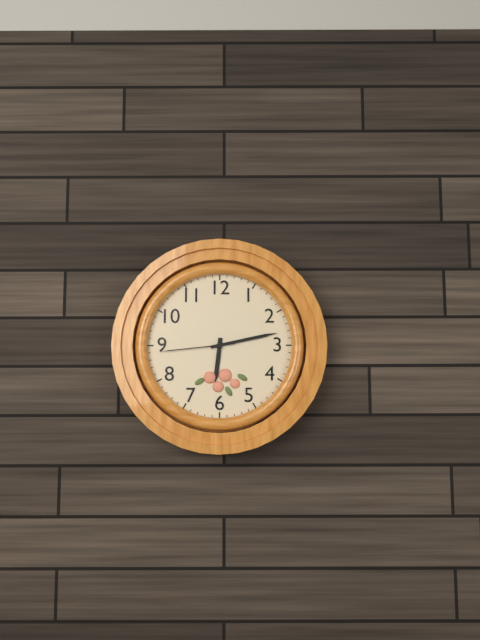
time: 6:13:44
